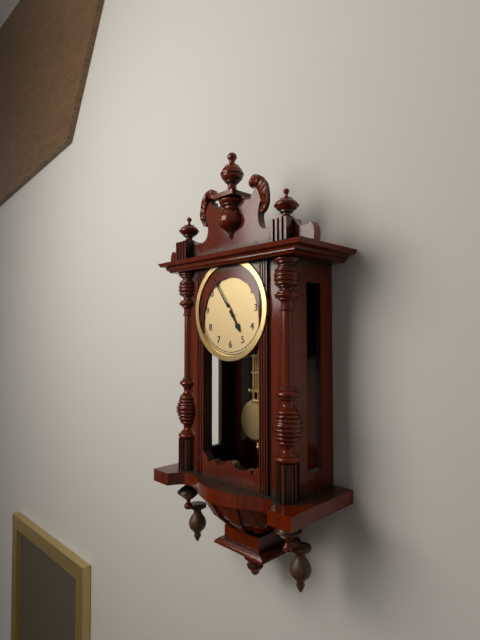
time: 4:54
